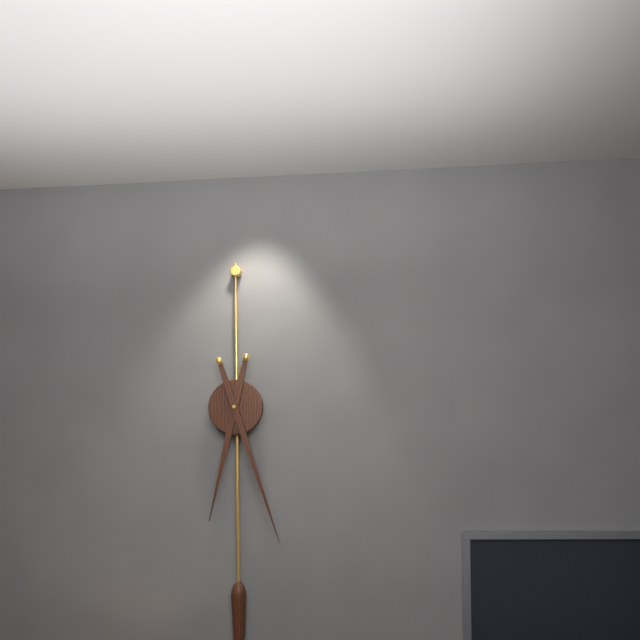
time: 6:27
